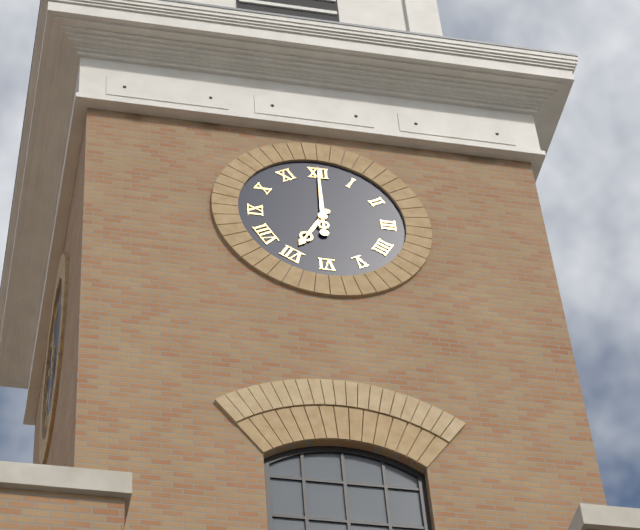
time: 7:00
